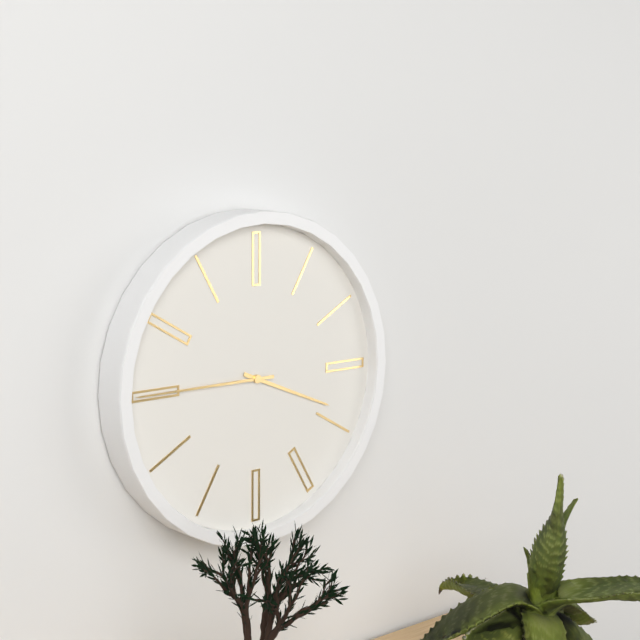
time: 3:45
